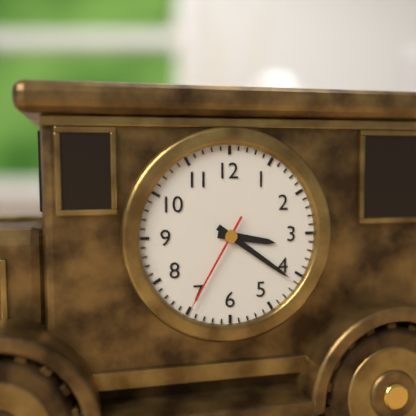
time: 3:21:35
